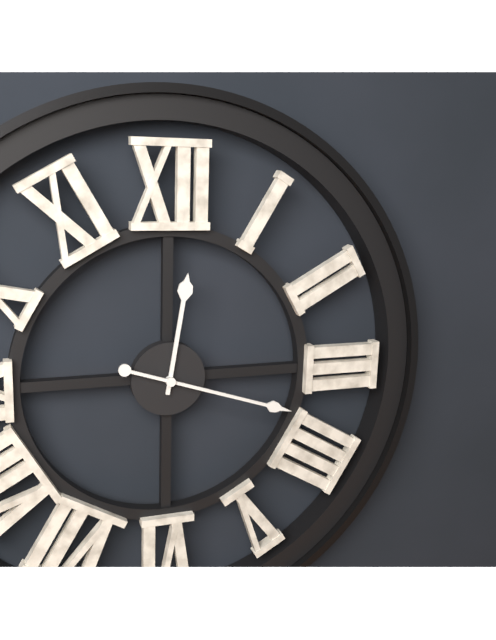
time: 12:18
